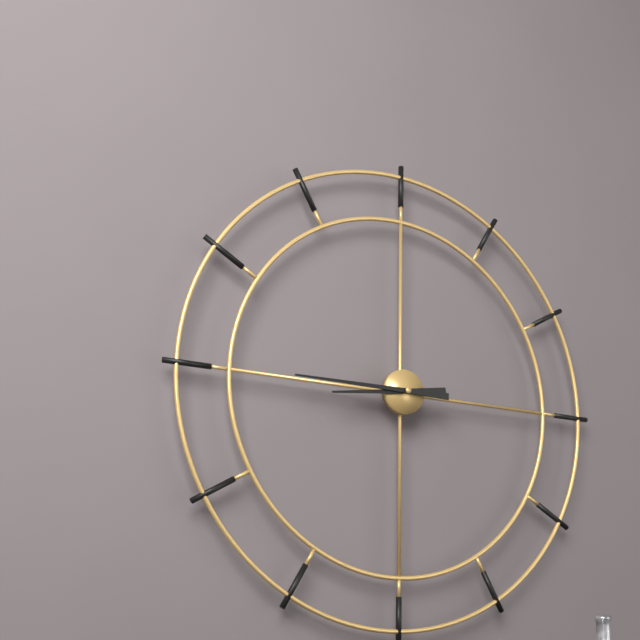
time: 8:45
